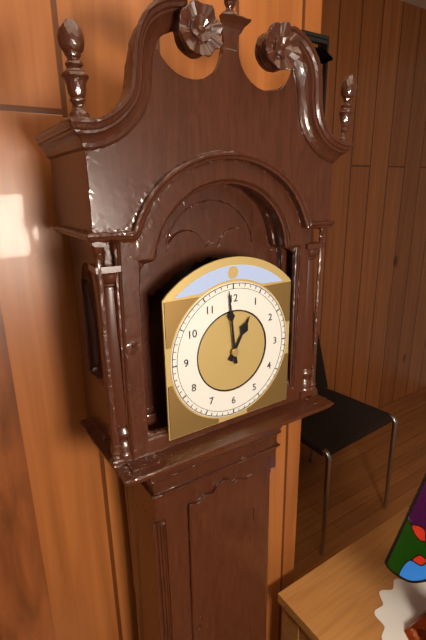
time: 12:59
